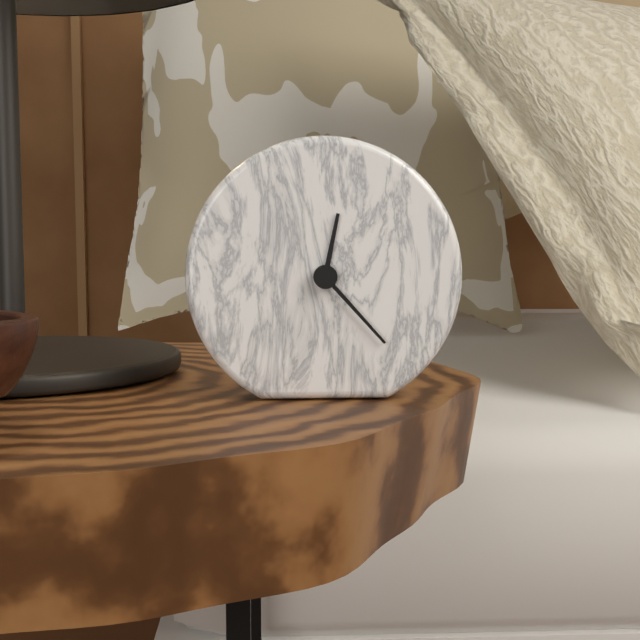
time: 12:23
